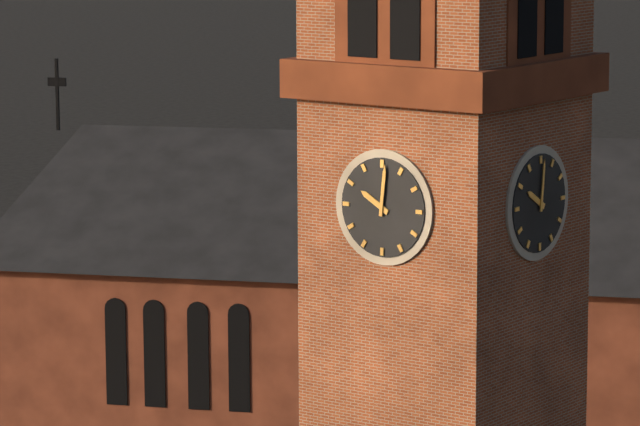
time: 10:01
